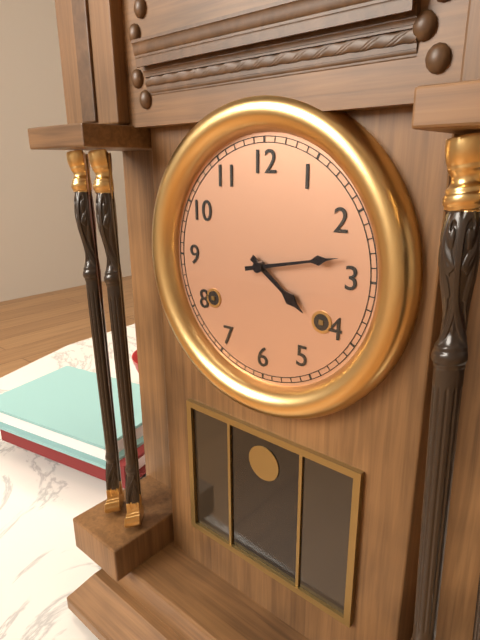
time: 4:13
